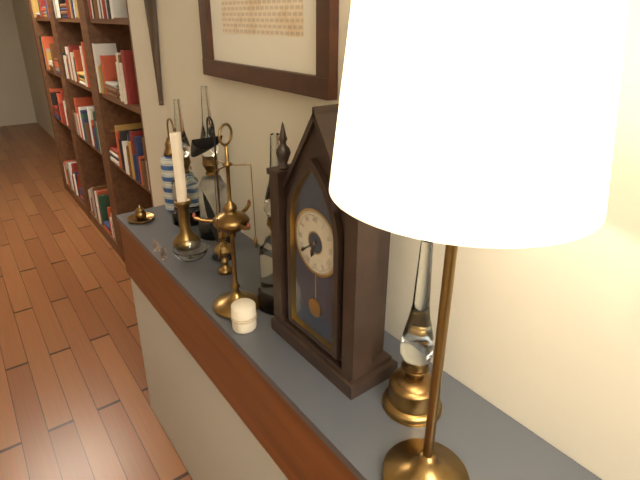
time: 6:39
